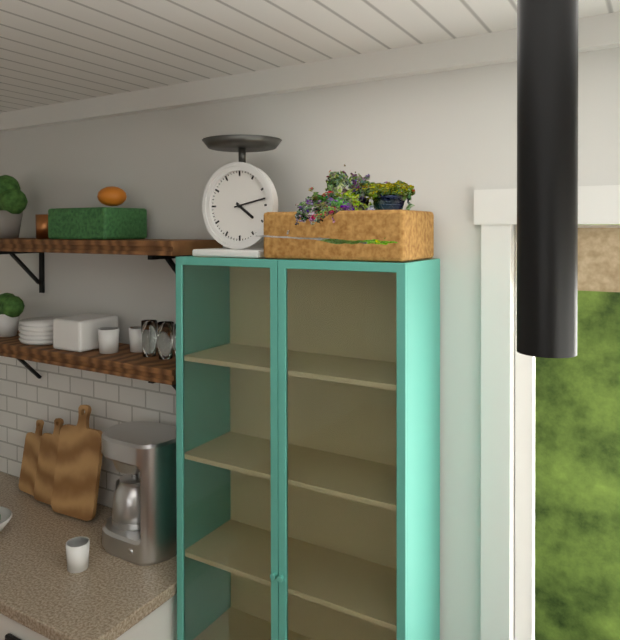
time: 4:13
